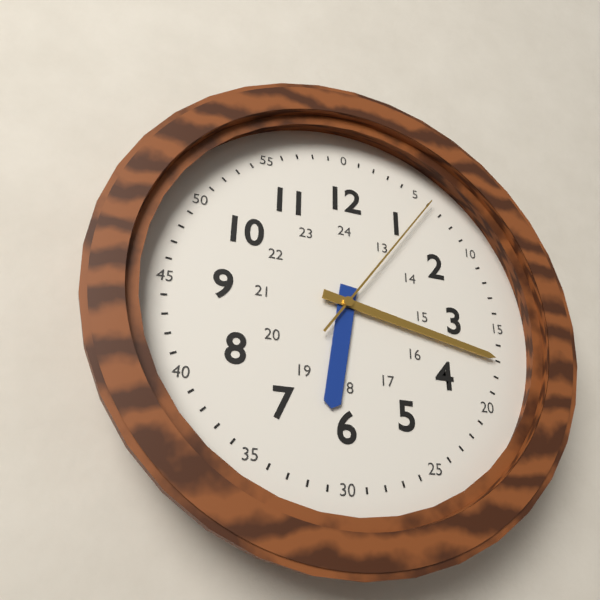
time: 6:17:06
